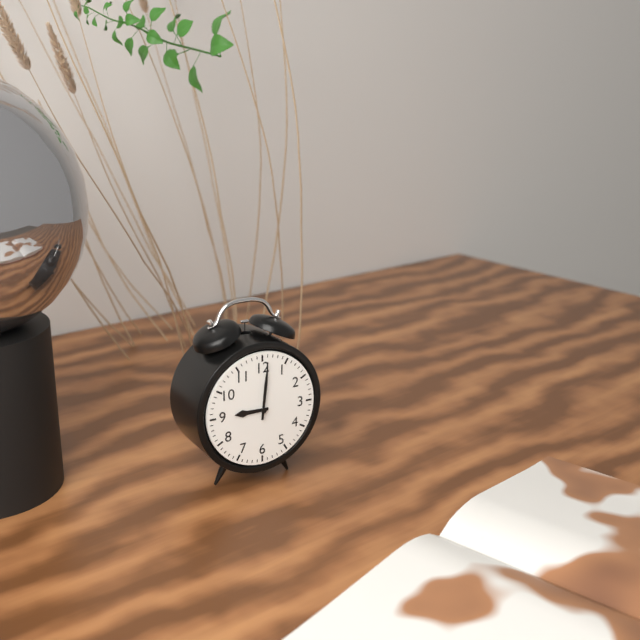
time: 9:01
